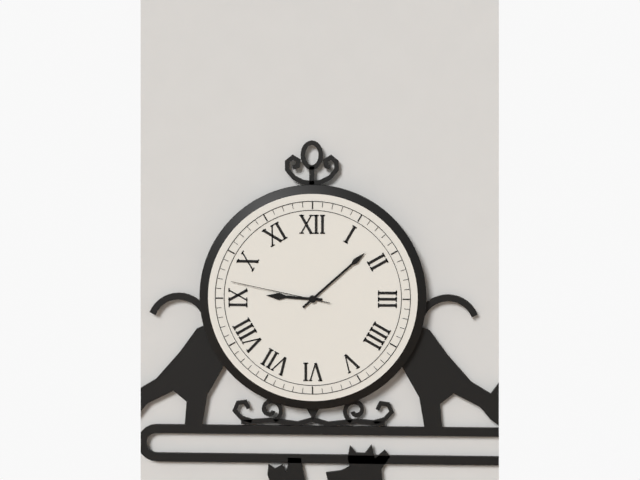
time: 9:08:47
